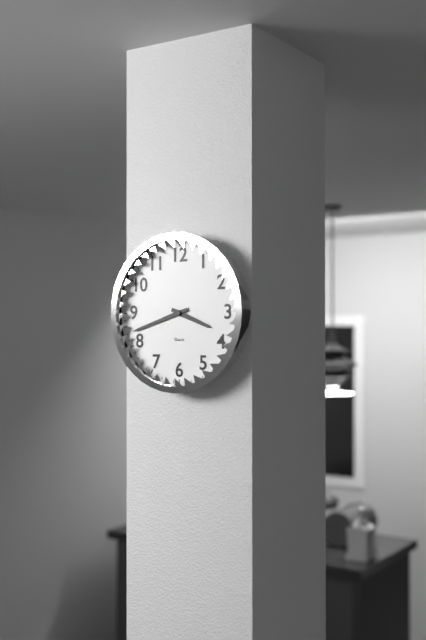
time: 3:42
